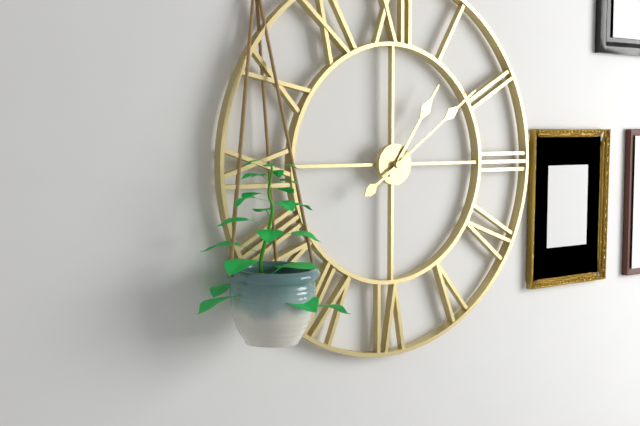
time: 1:09
